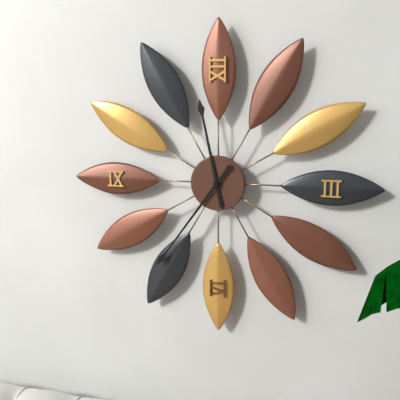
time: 11:36
